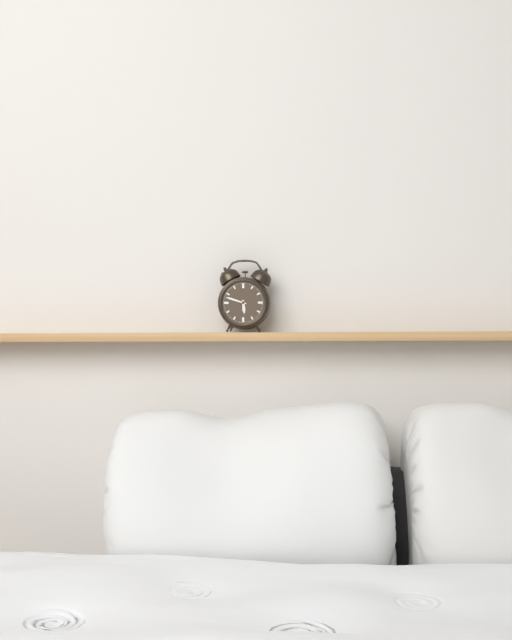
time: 5:48
